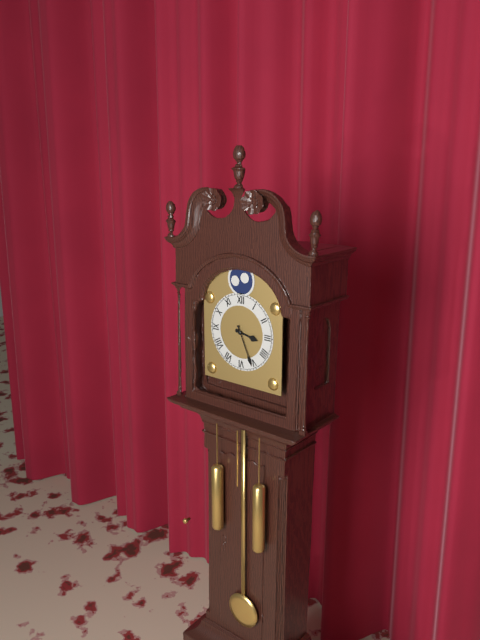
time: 3:26
